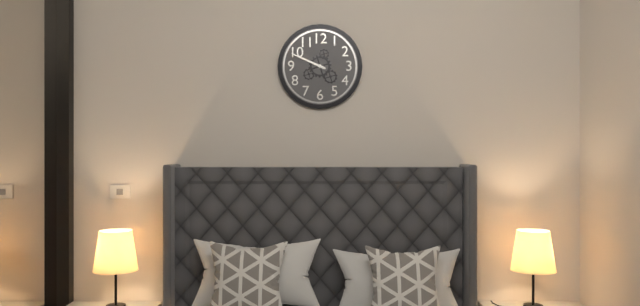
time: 9:49
